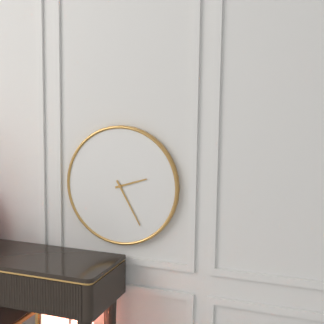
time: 2:25
